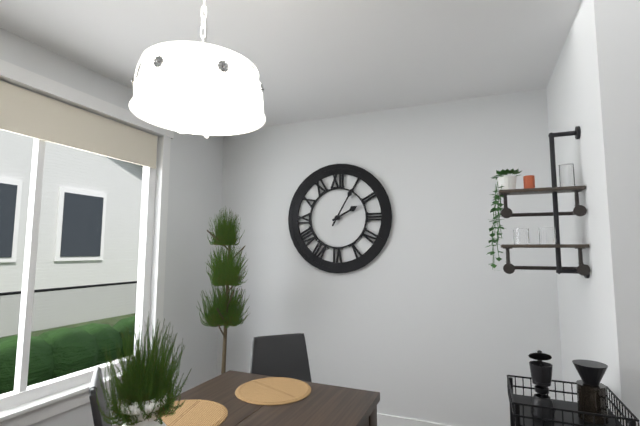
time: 2:05
